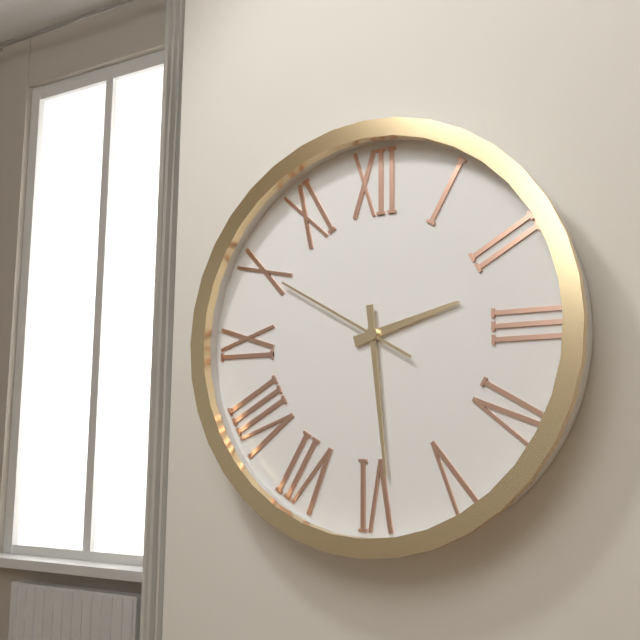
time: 2:29:50
